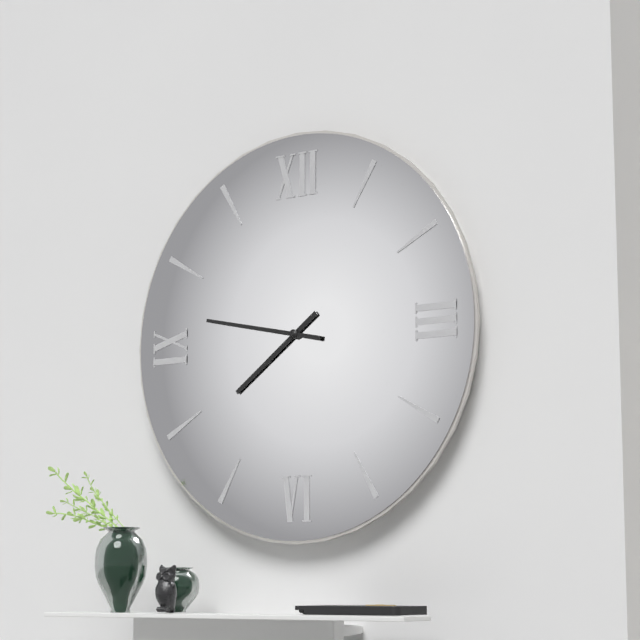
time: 7:47
